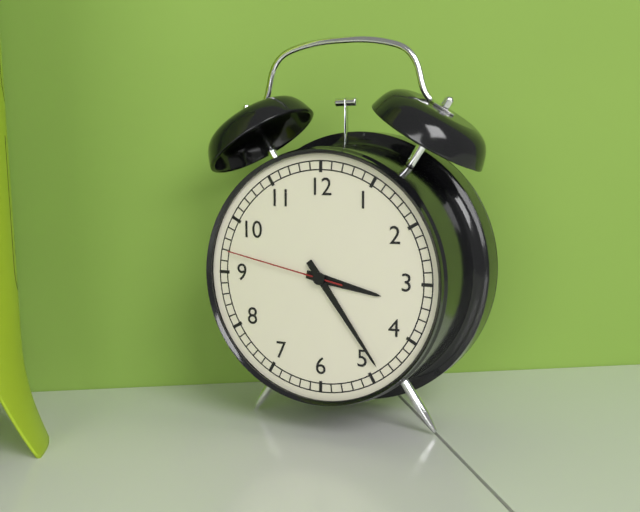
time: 3:24:47
